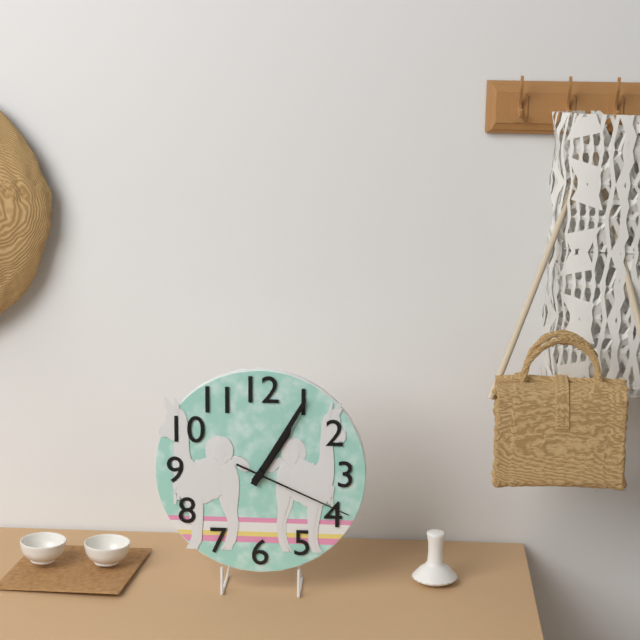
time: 1:05:19
